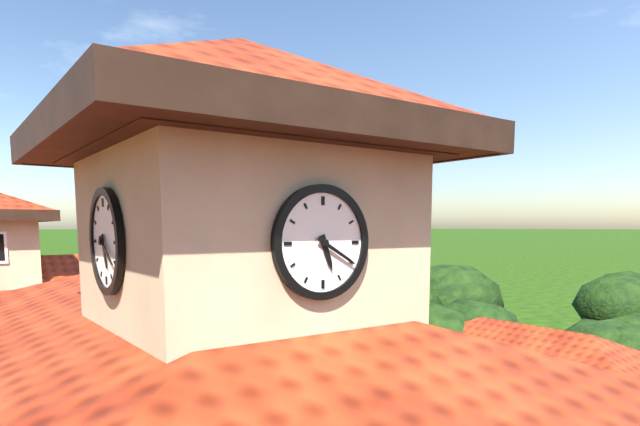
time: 5:20
